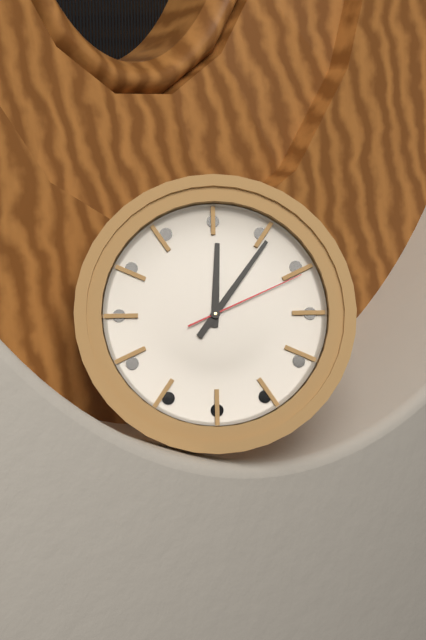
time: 12:06:11
